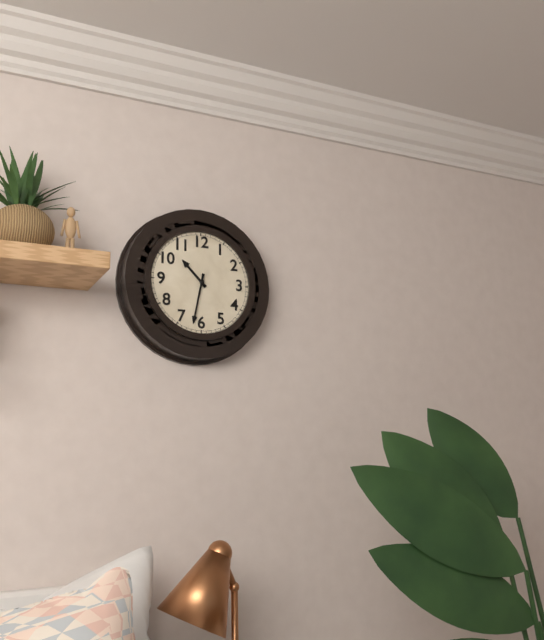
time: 10:32
